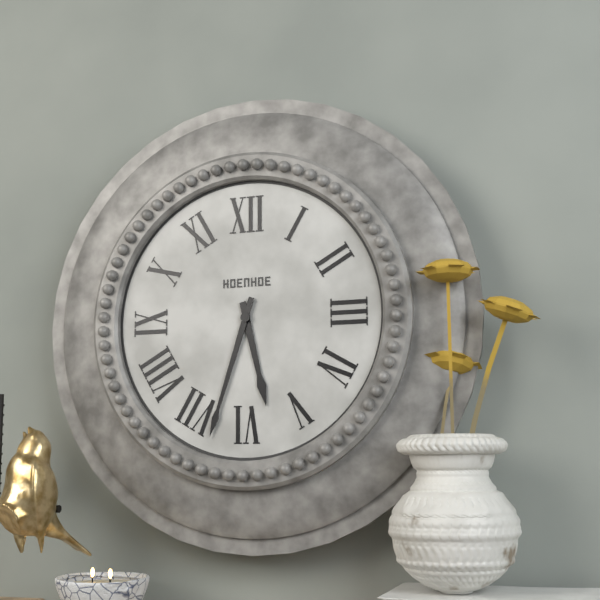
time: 5:33
